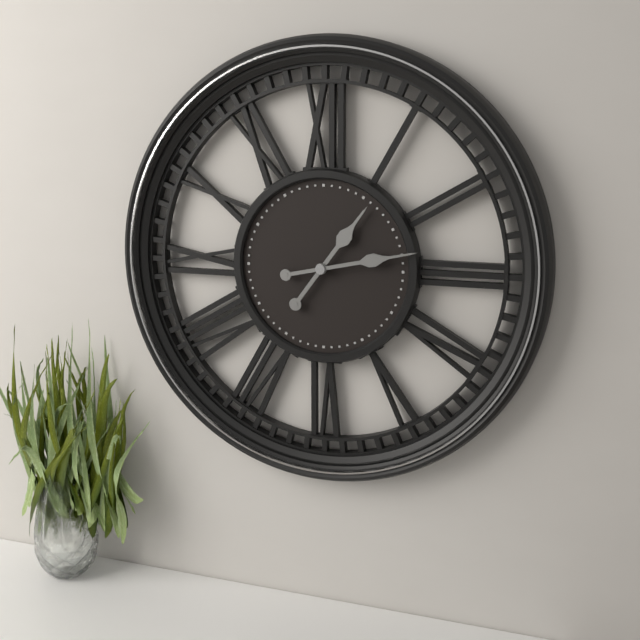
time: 1:13
